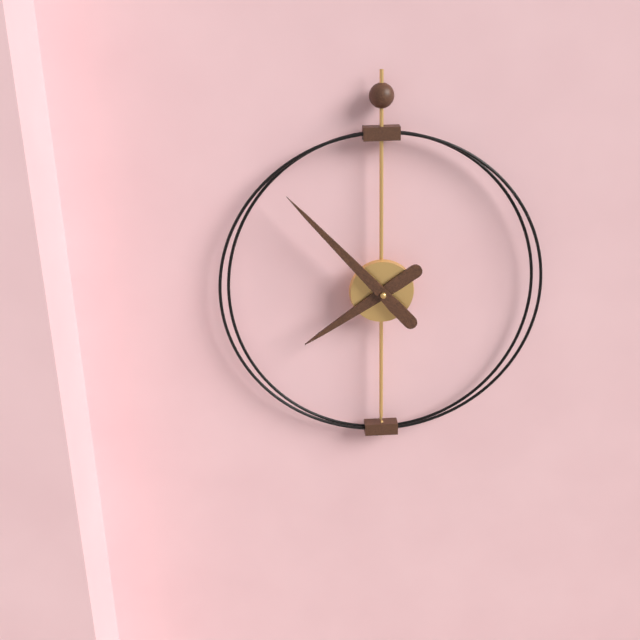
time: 7:53
